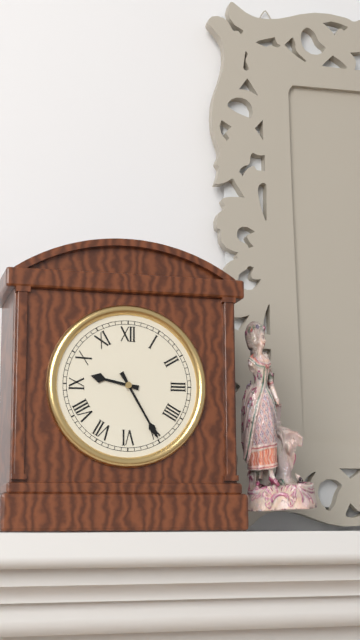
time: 9:25
